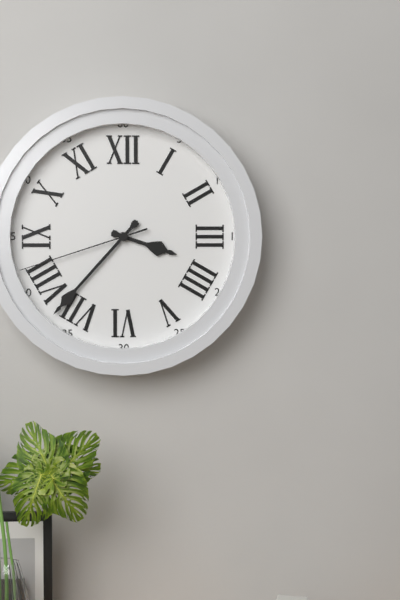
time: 3:37:42
